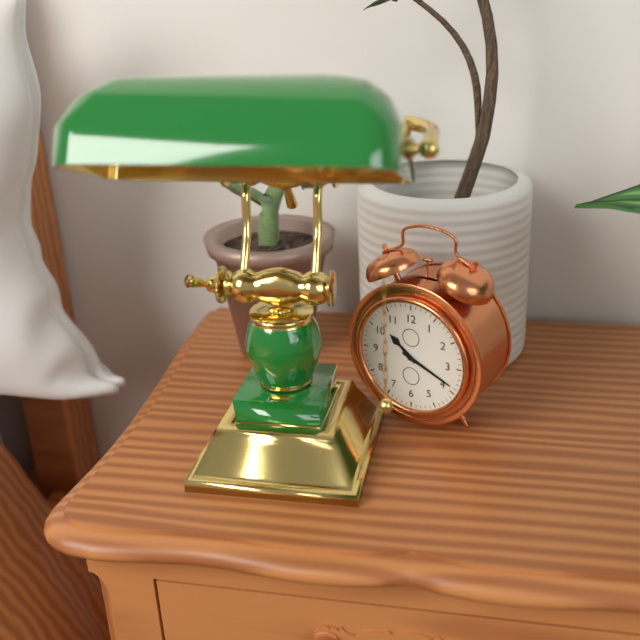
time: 10:19
